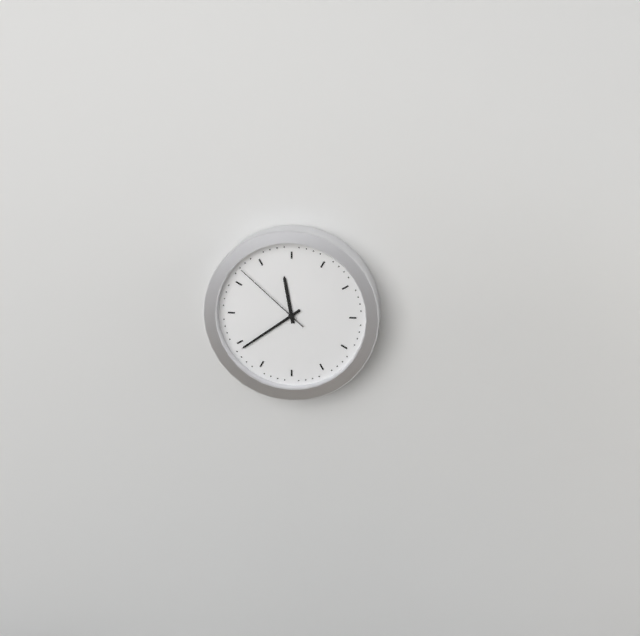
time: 11:39:52
